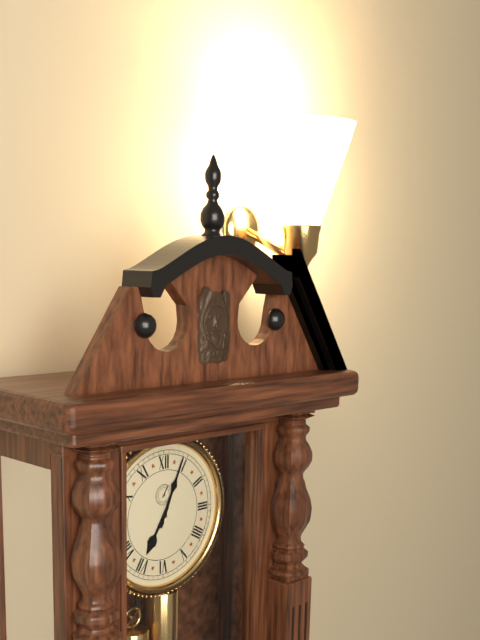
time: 7:04
